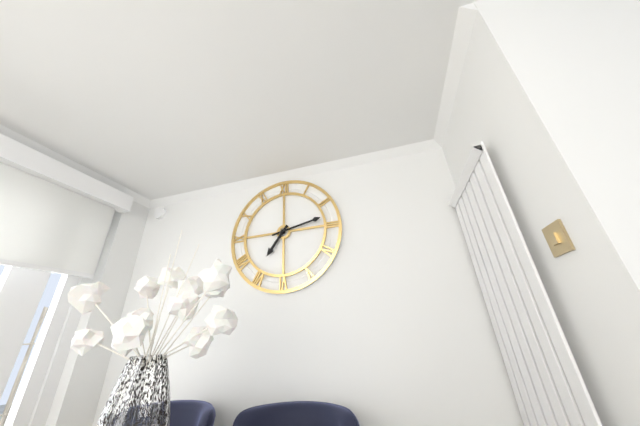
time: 7:13
